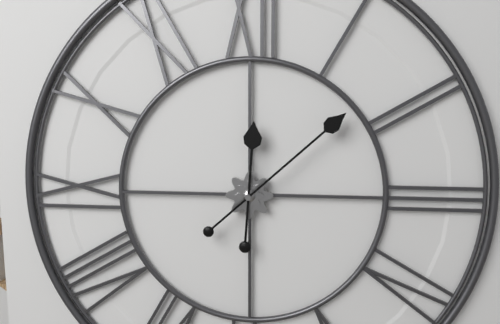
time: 12:08
